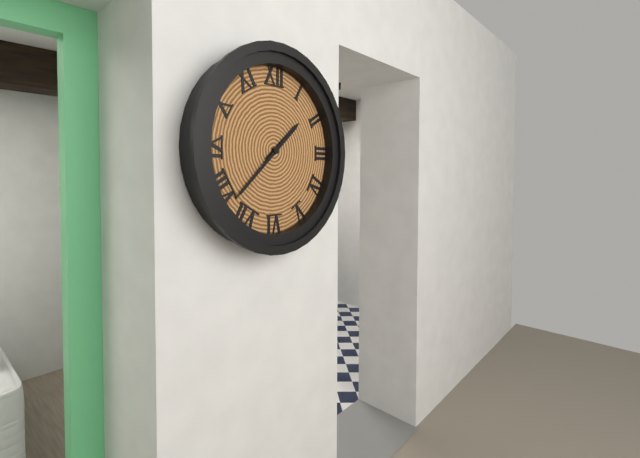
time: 1:38
